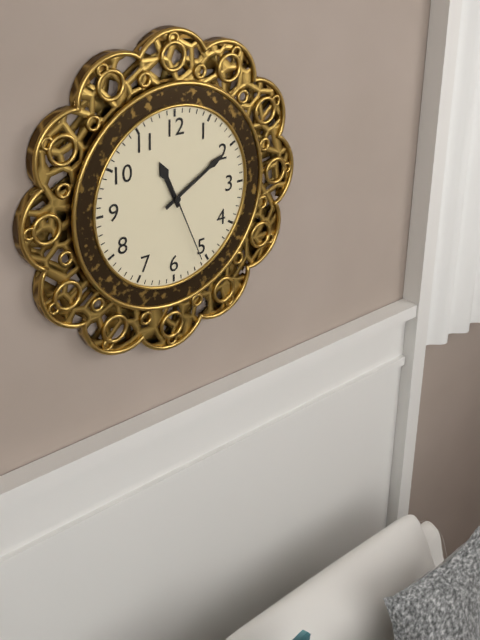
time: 11:10:26
